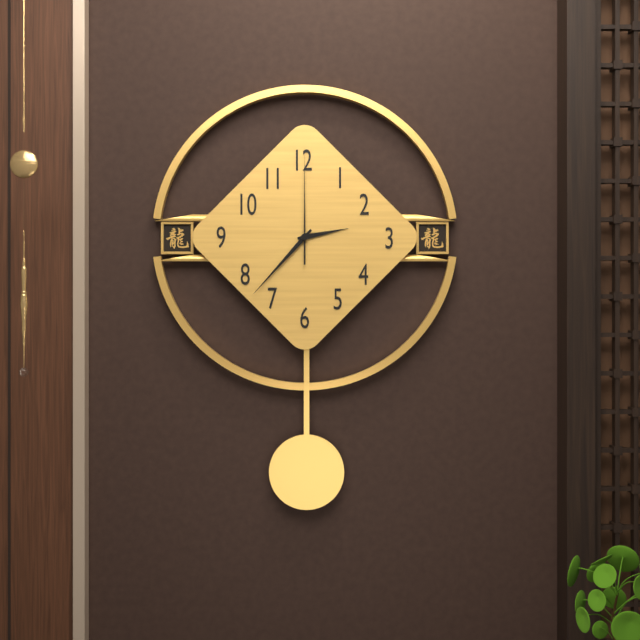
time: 2:37:00
